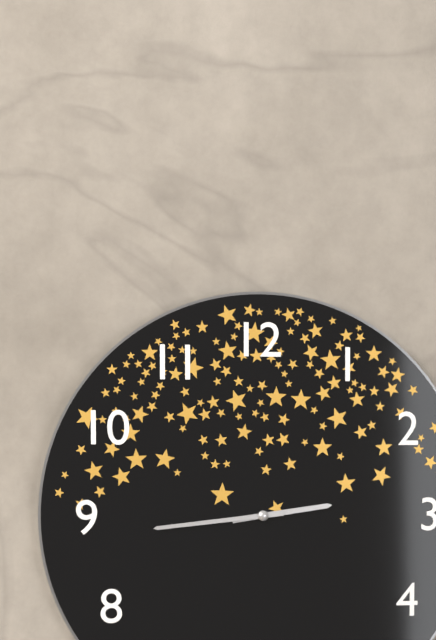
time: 2:44
